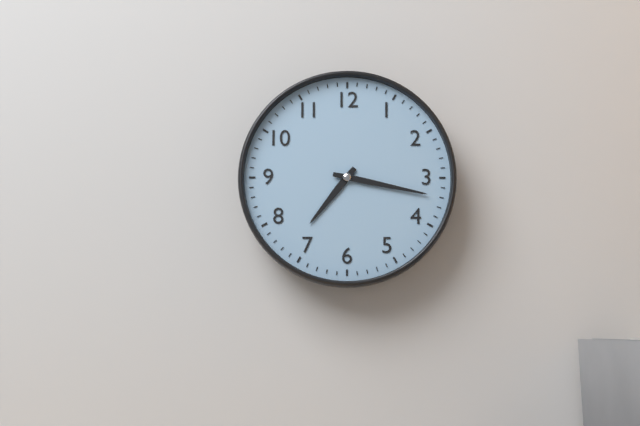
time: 7:17
